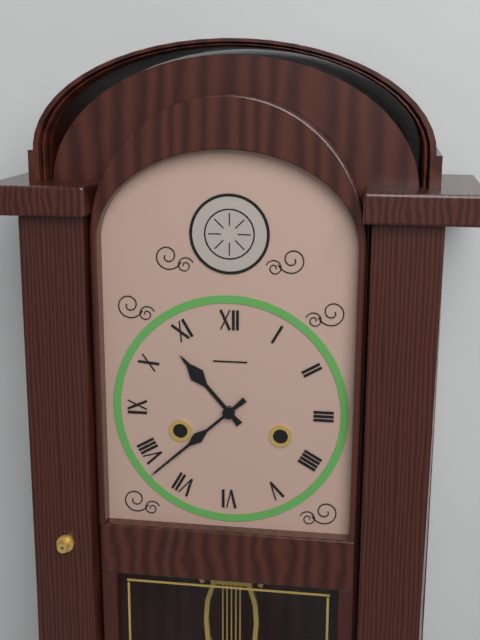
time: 10:38
